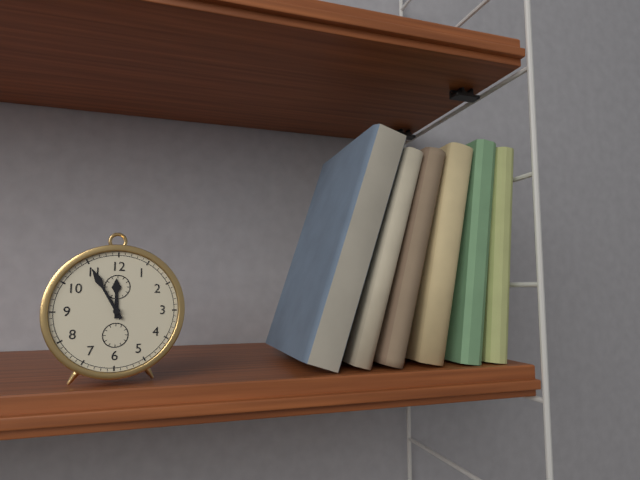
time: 11:55
